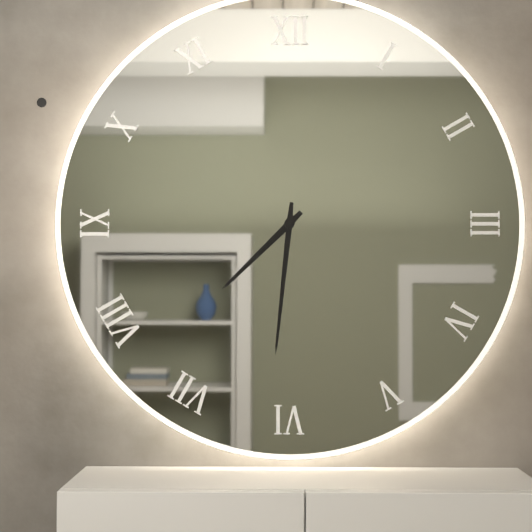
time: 7:31
